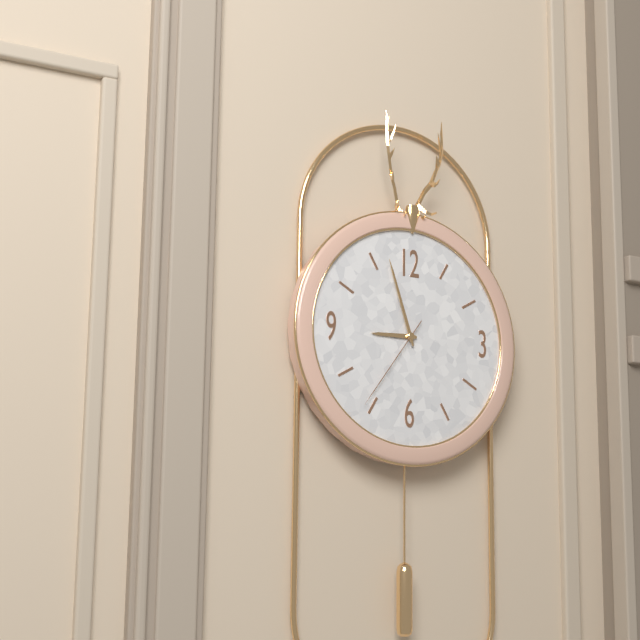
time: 8:57:36
